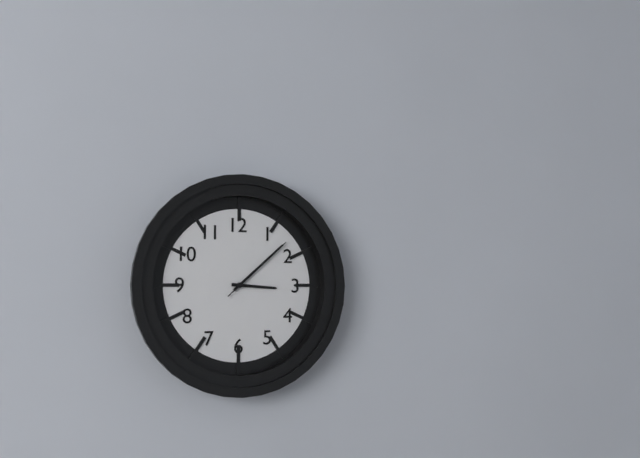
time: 3:08:08
